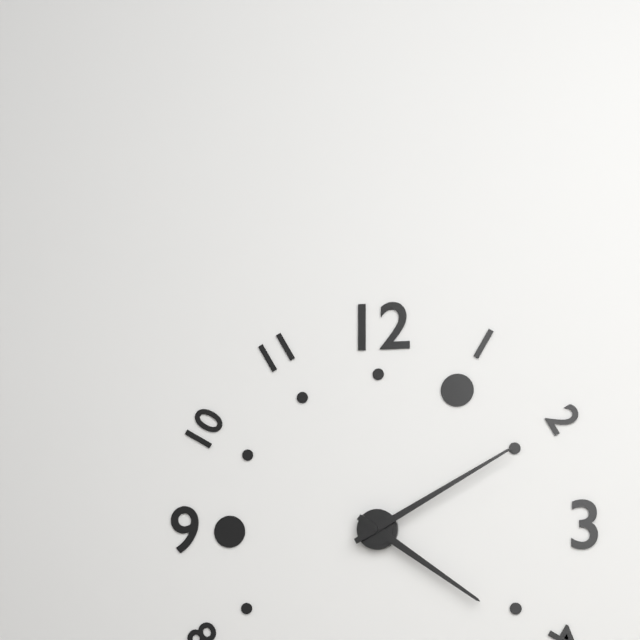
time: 4:10
